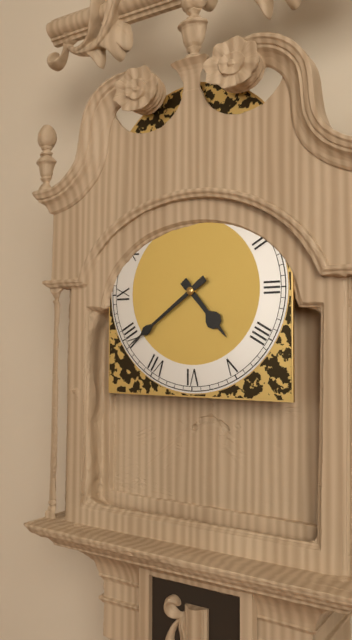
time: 4:39
